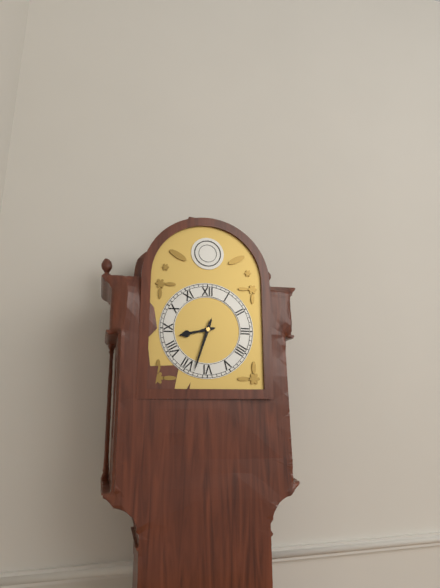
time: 8:33
